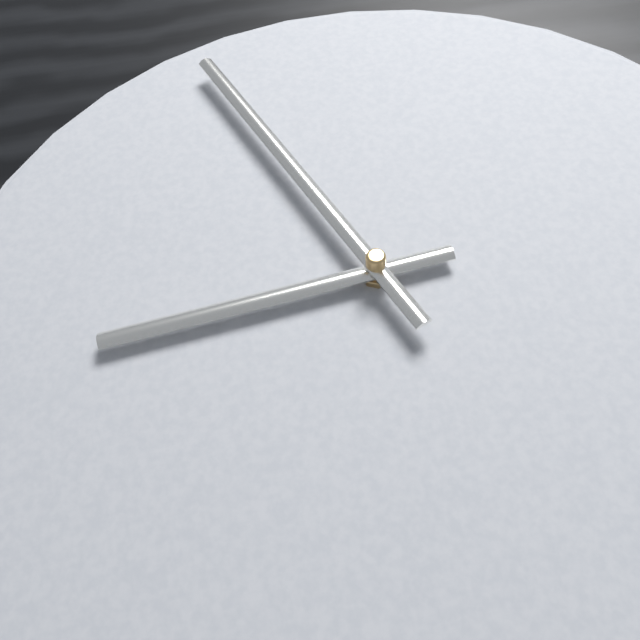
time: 8:57
